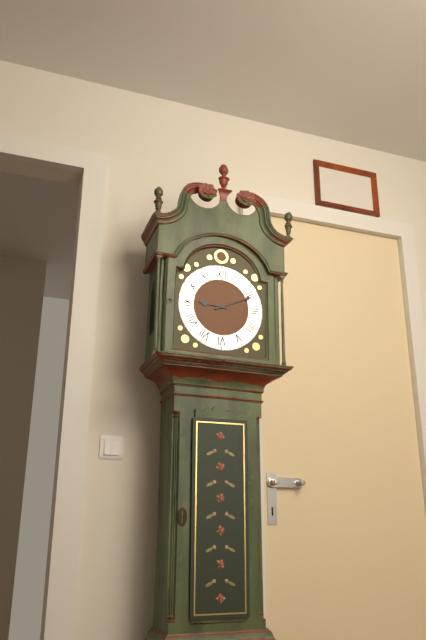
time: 9:11
